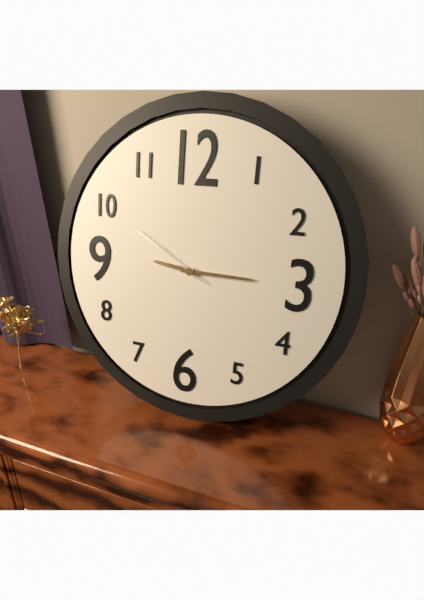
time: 9:15:50
